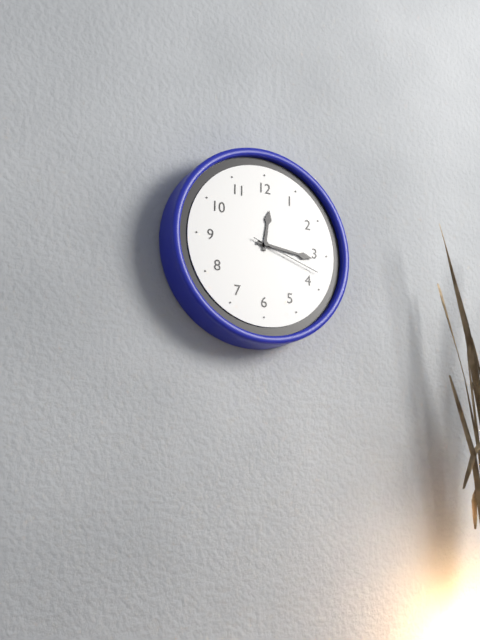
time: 12:16:18
